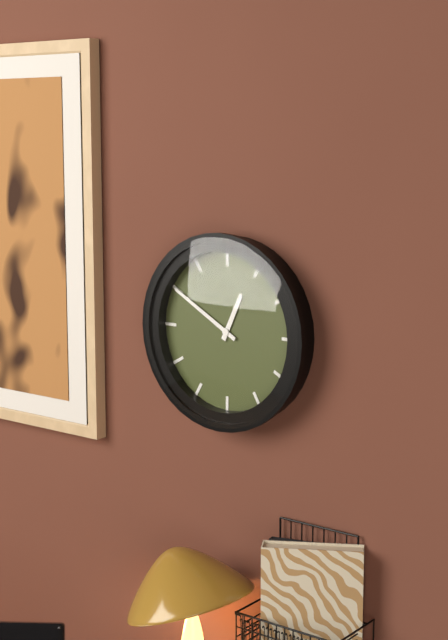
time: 12:50
